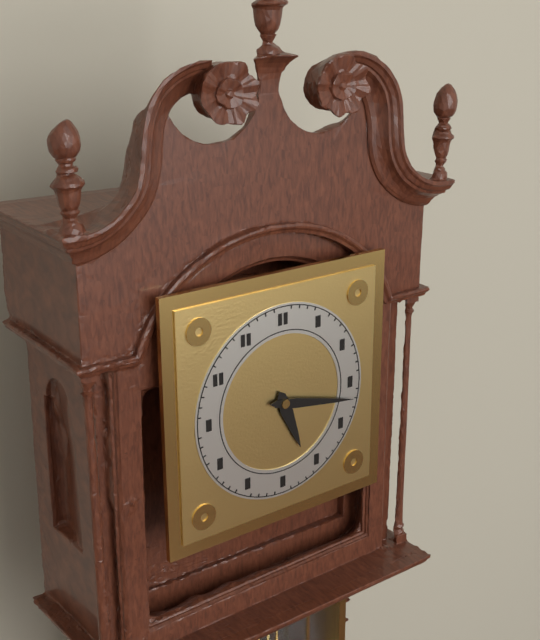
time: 5:17
